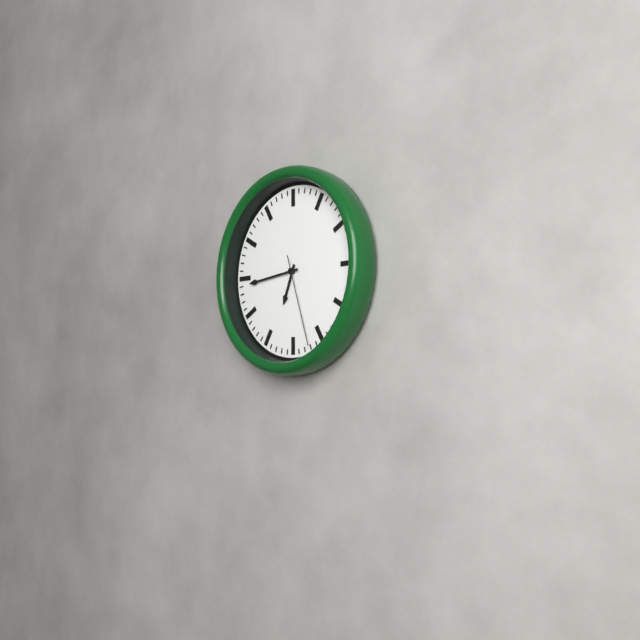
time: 6:44:27
